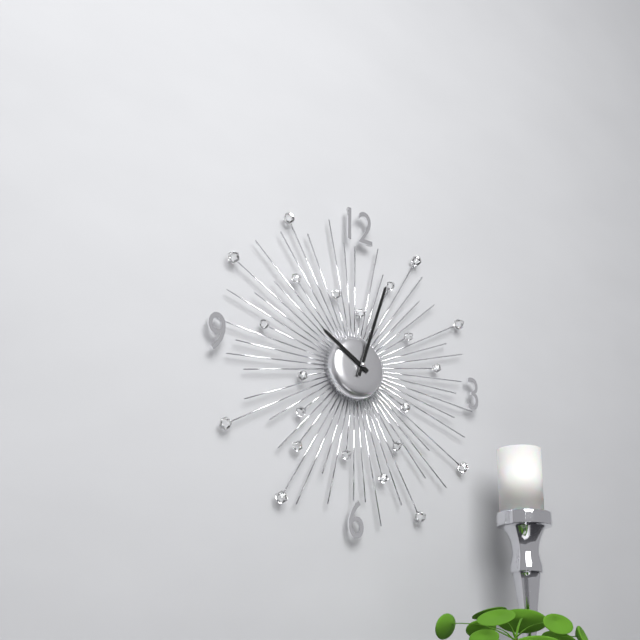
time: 10:03
